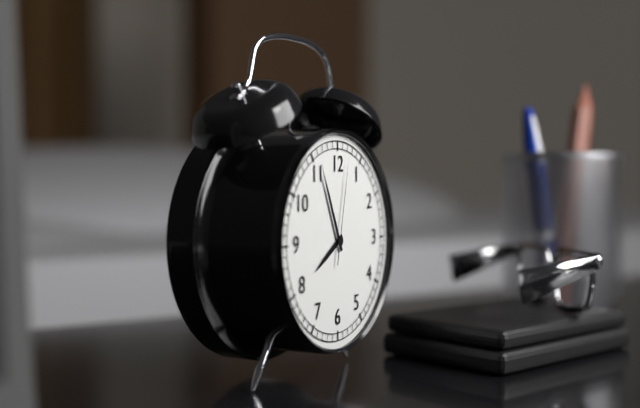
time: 7:56:02
